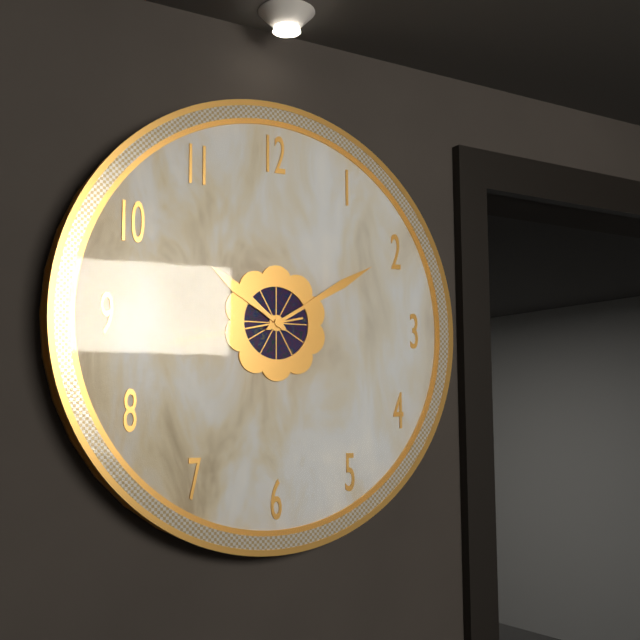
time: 10:10:43
